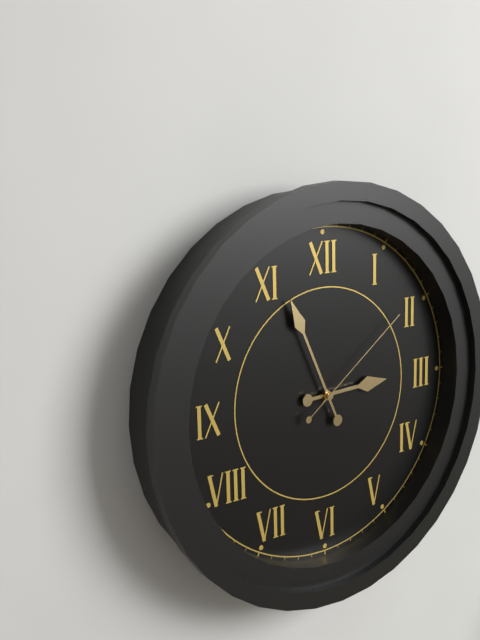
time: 2:56:09
